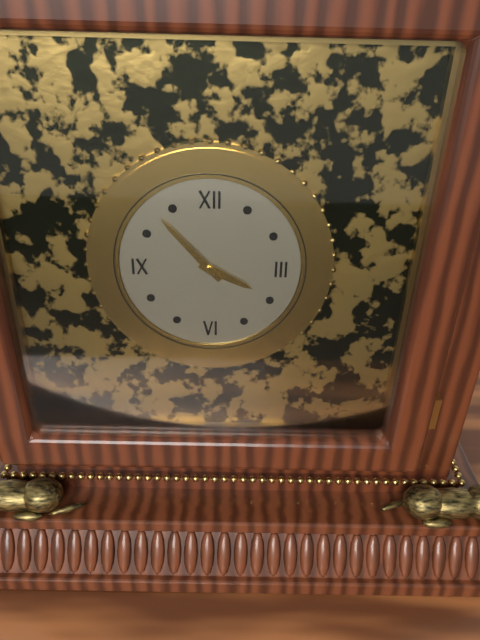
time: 3:53
